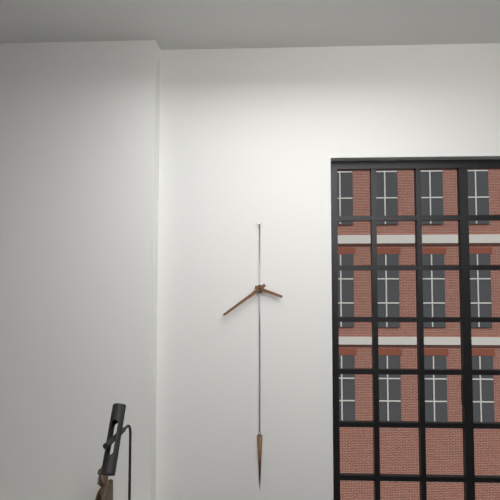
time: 3:39
